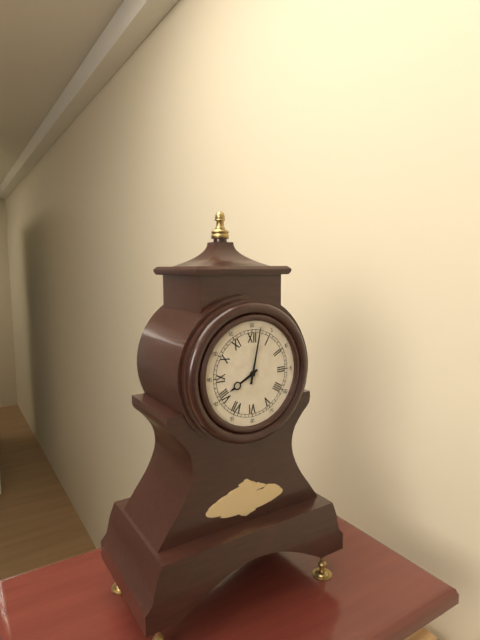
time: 8:02
